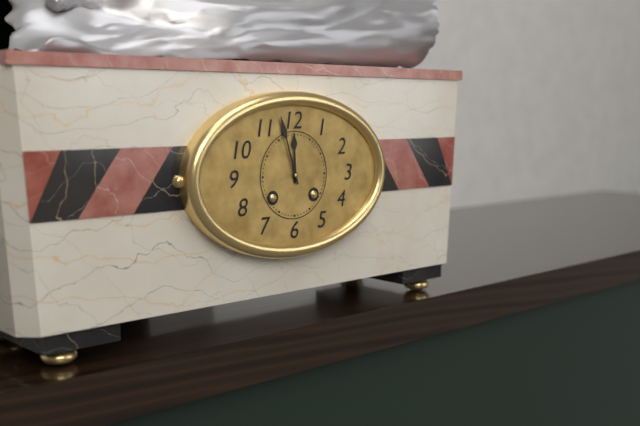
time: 11:57
